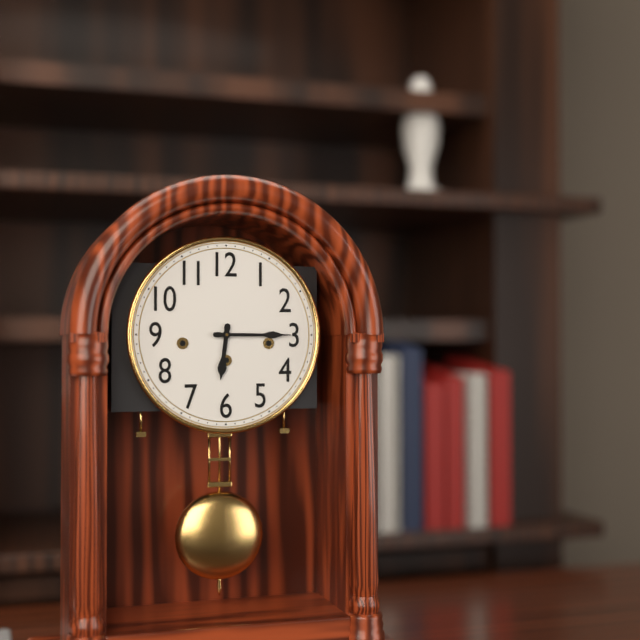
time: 6:15
